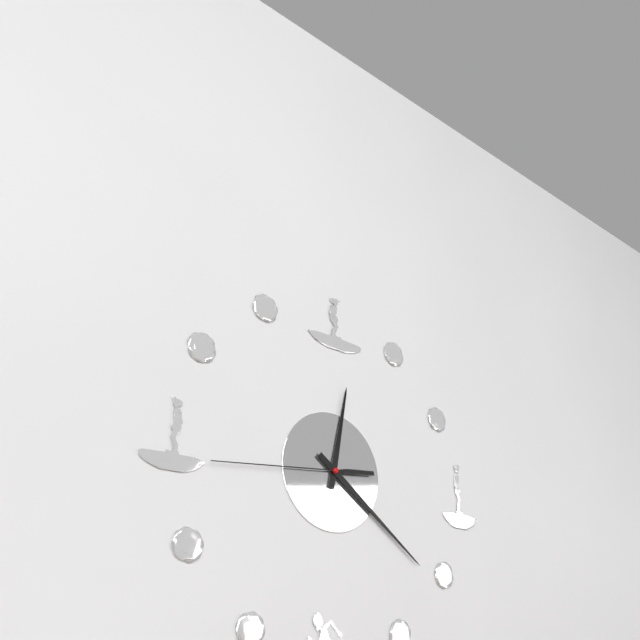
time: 12:21:44
